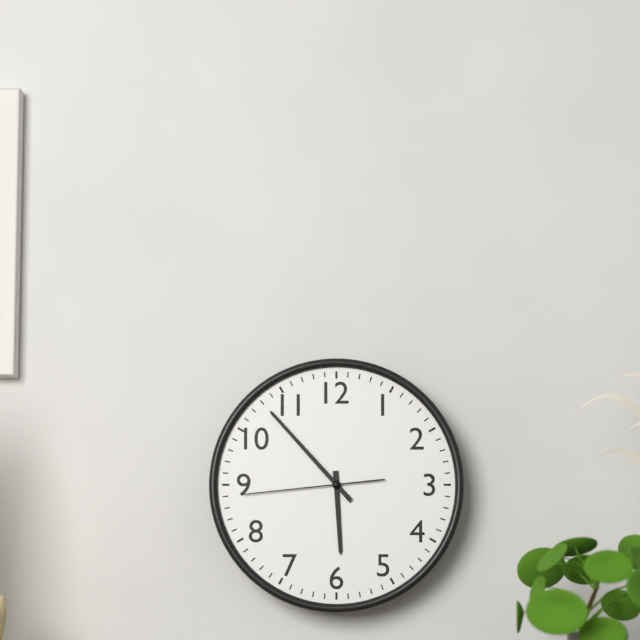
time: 5:53:44
